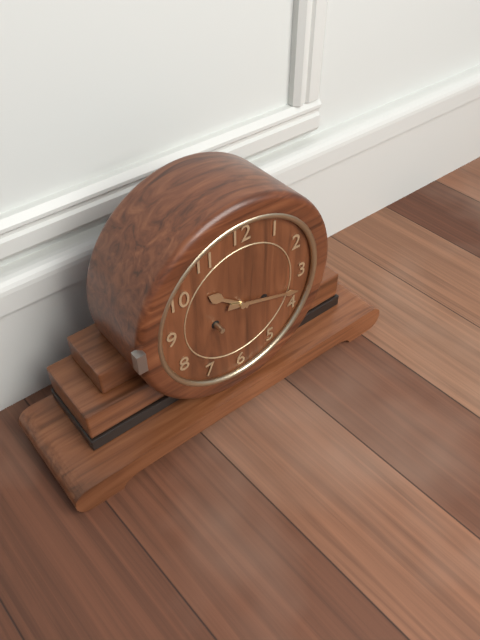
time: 10:18
